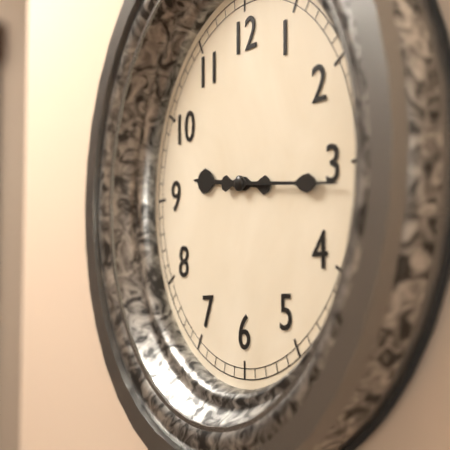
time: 9:16
